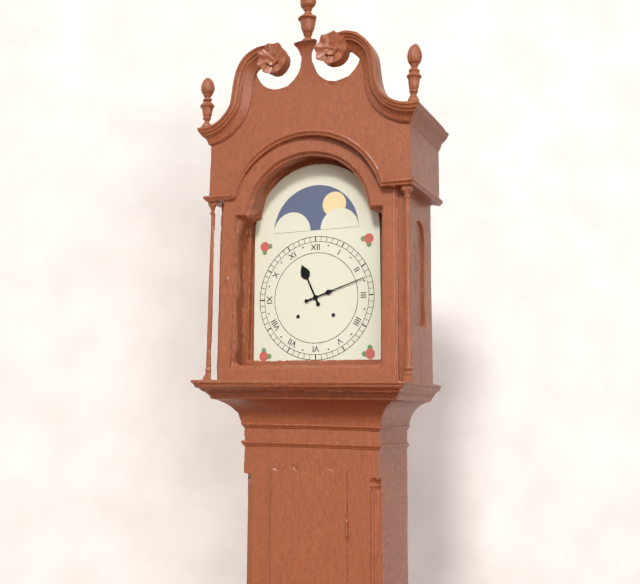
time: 11:12
